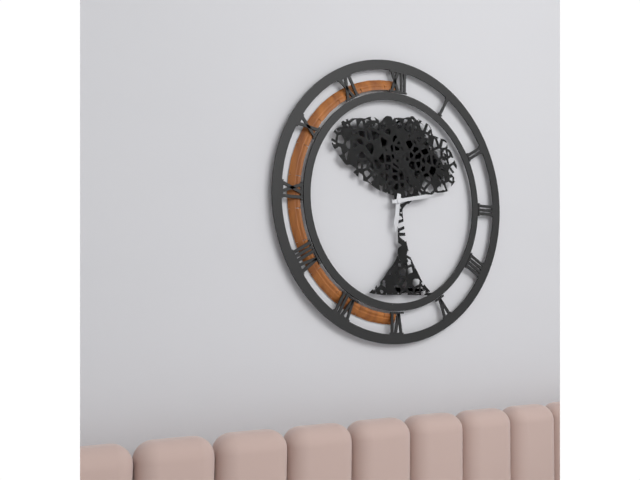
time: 6:13
